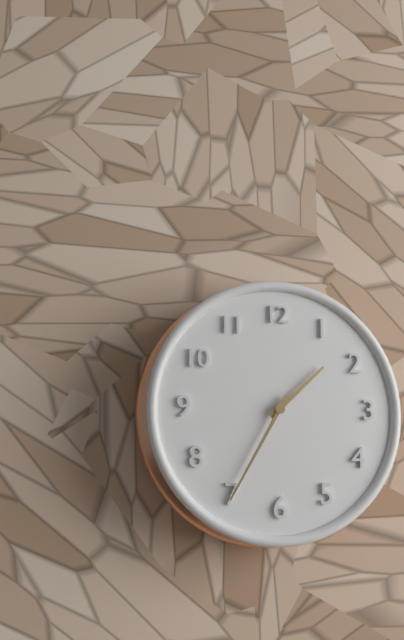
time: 1:35
